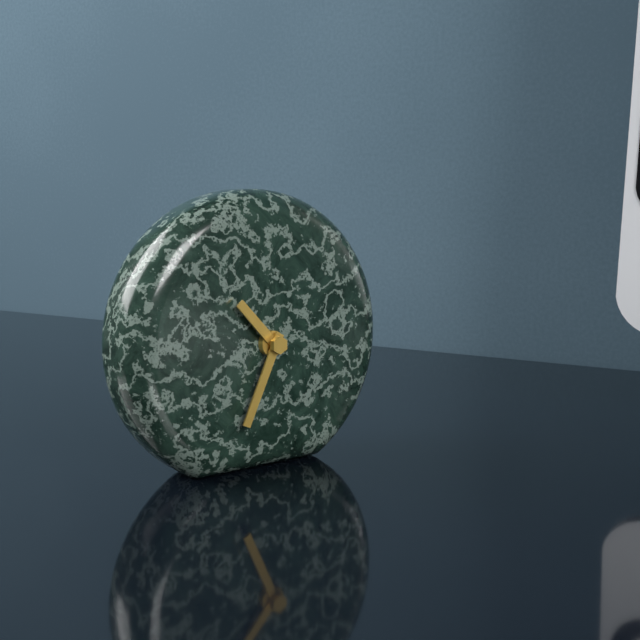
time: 10:34
